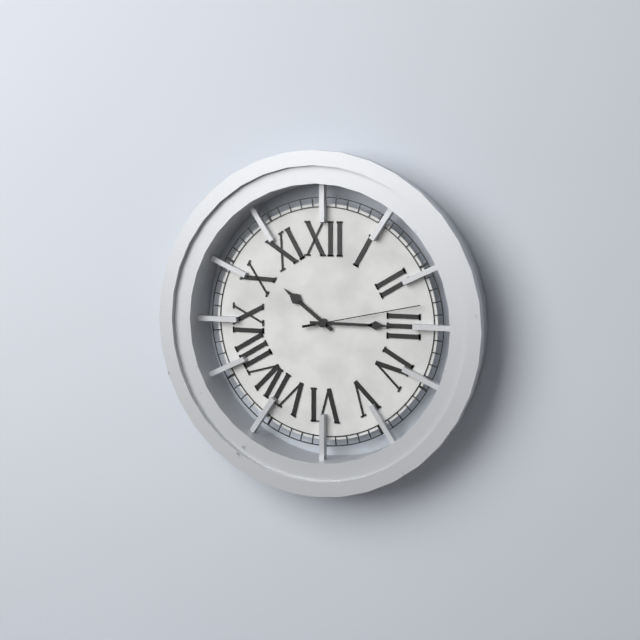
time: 10:15:13
